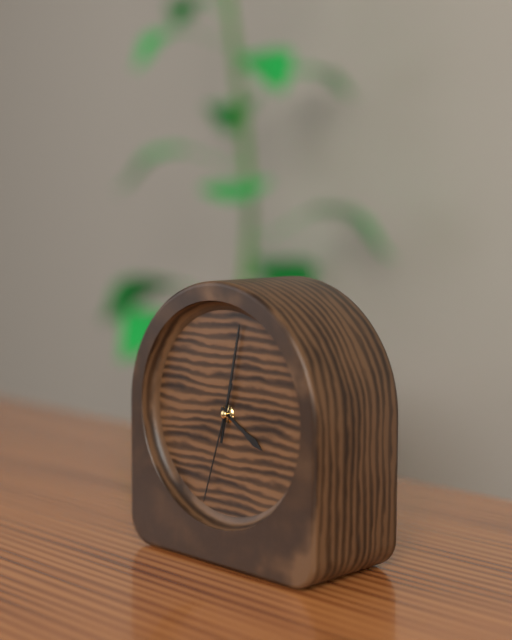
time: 4:02:33
